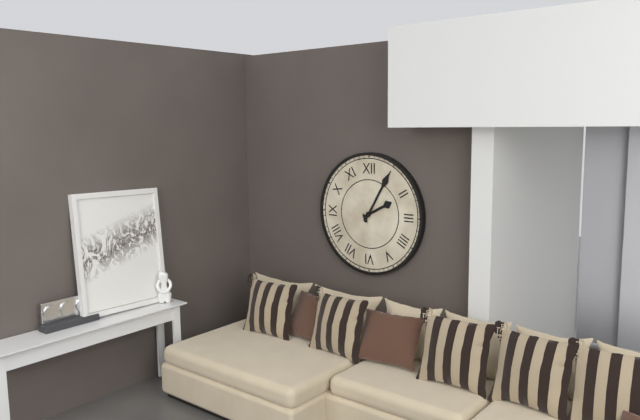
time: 2:05
